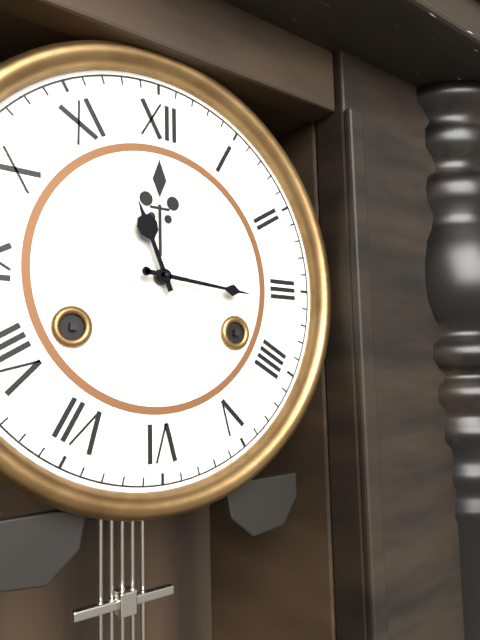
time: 11:16
